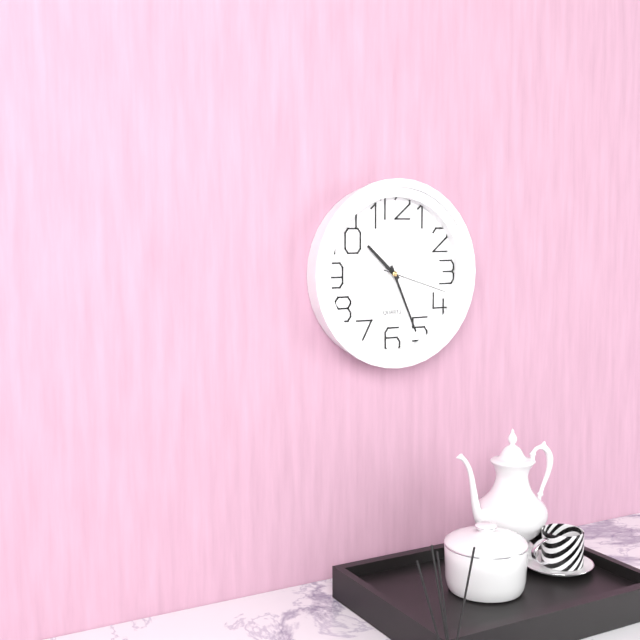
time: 10:26:18
